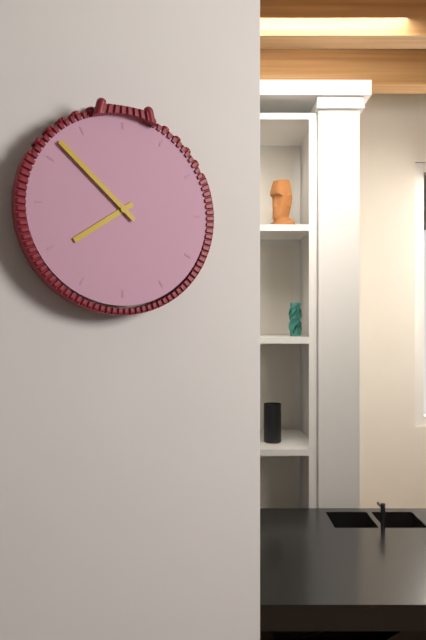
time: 7:52
